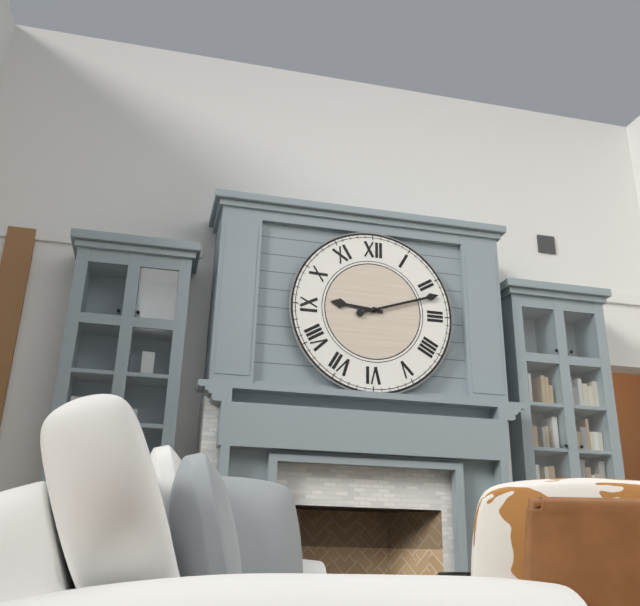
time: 9:12
